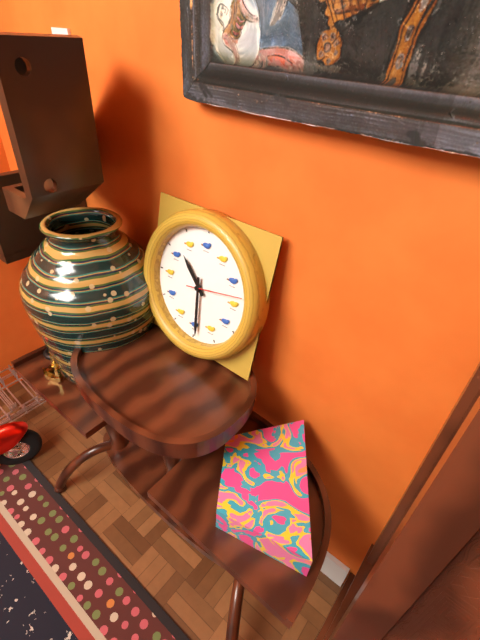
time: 10:29:13
